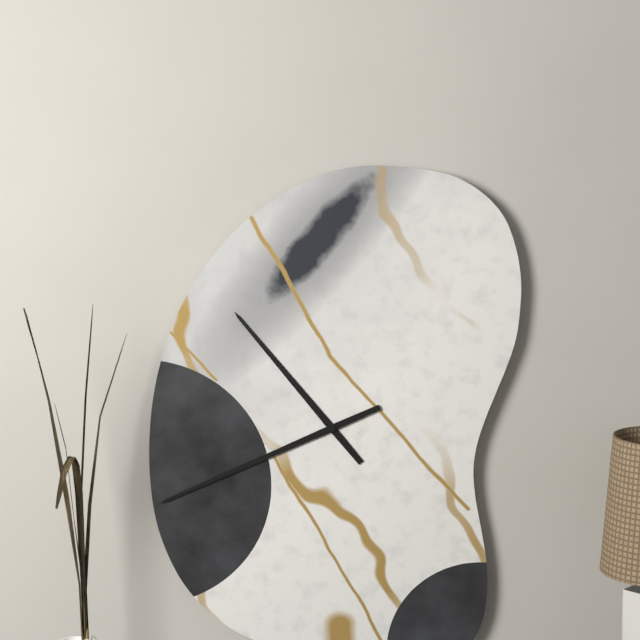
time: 10:41
